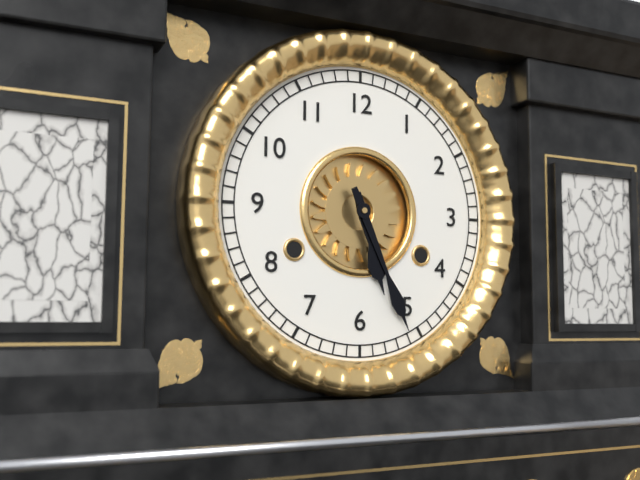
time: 5:26
